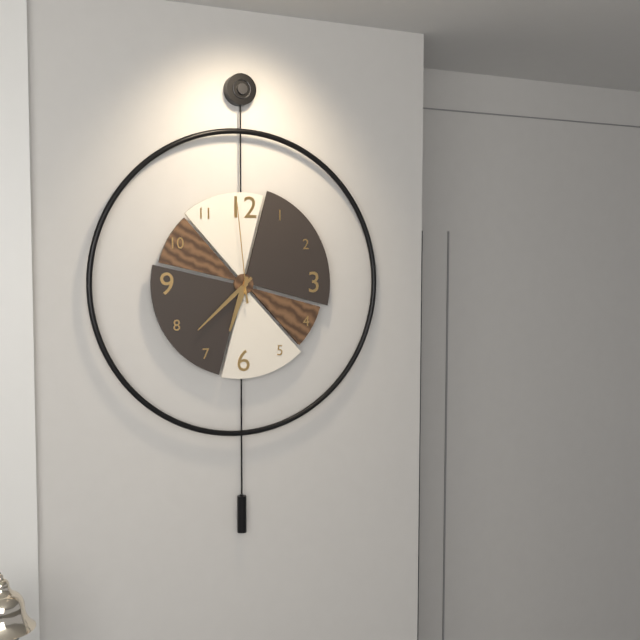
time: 6:38:59
